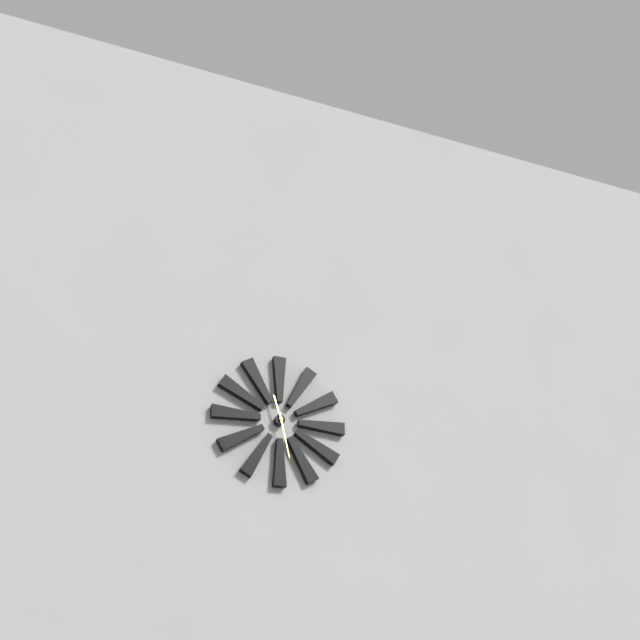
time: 11:28
